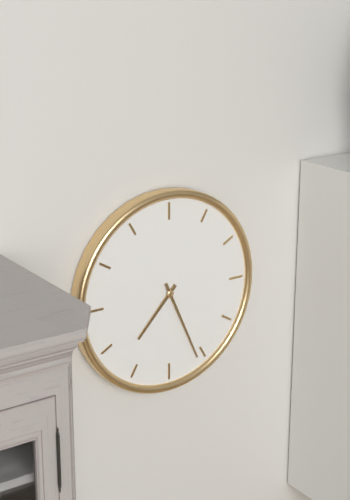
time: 7:26
